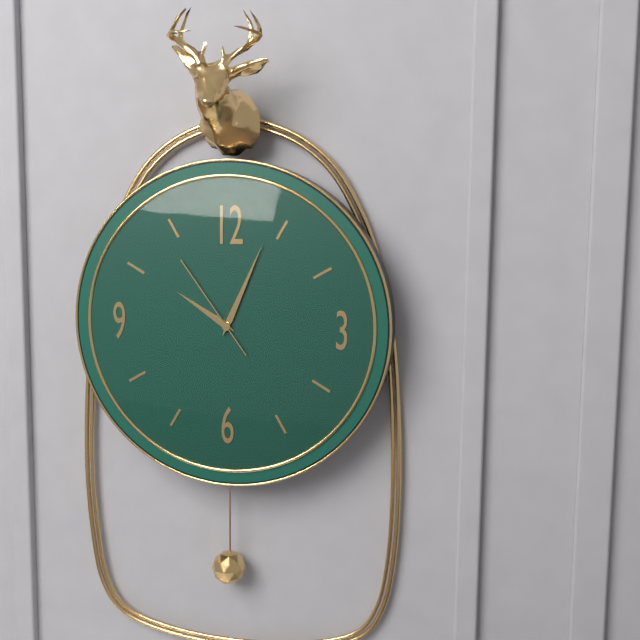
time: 10:04:54
